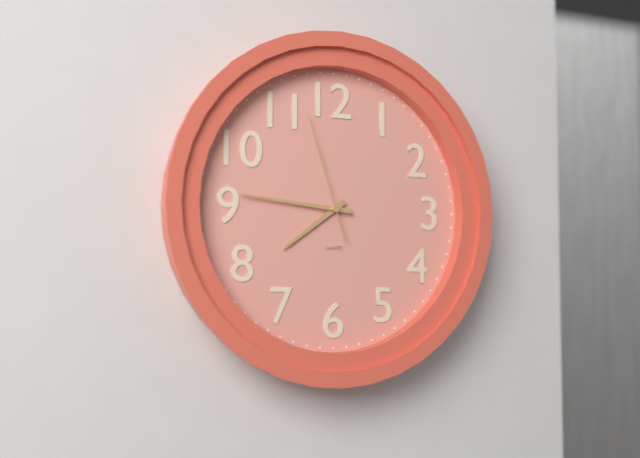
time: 7:46:57
